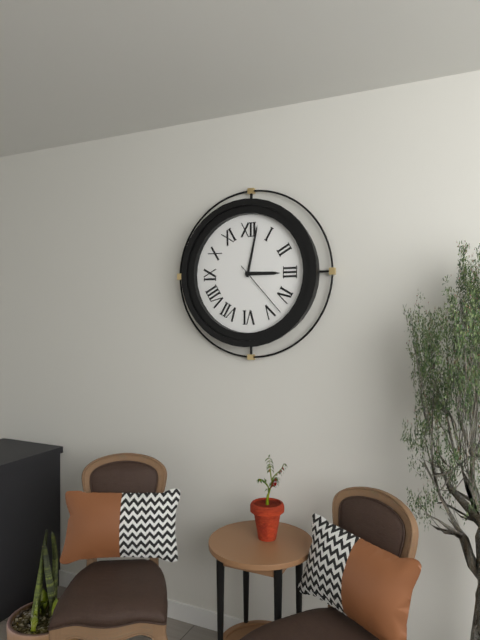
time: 3:02:23
